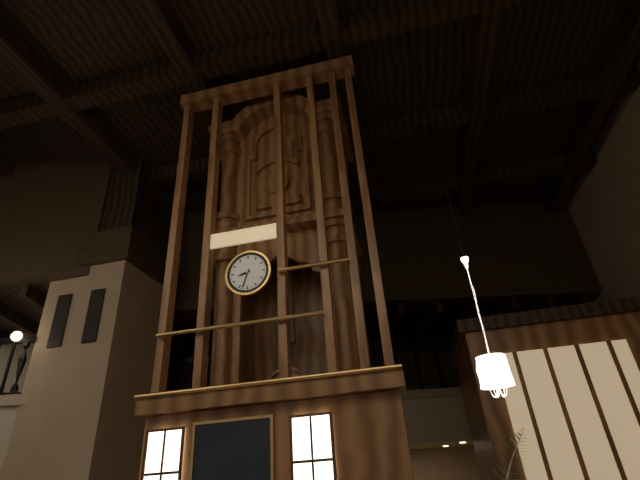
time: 8:33
